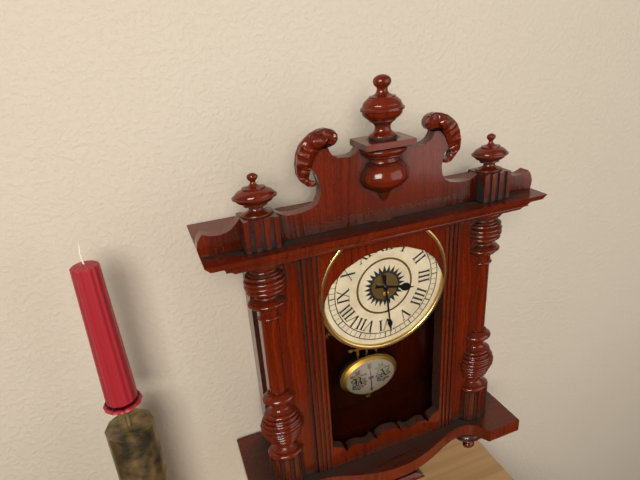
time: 3:29
